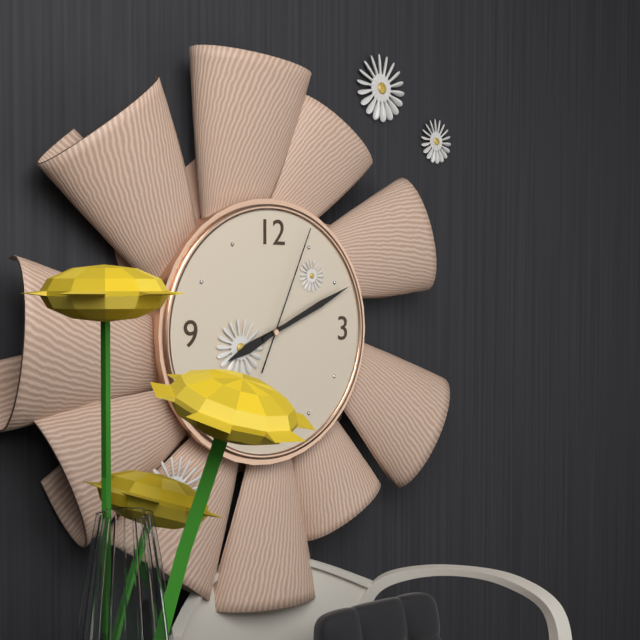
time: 8:11:04
